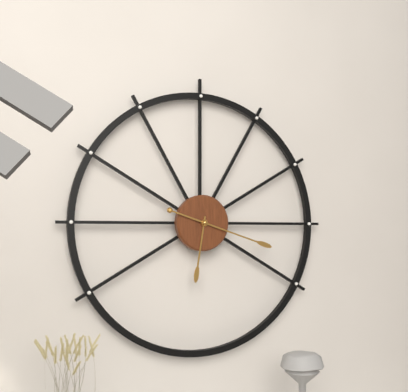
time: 6:18
